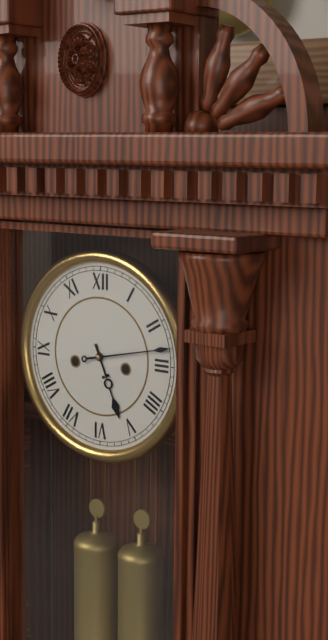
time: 5:13
